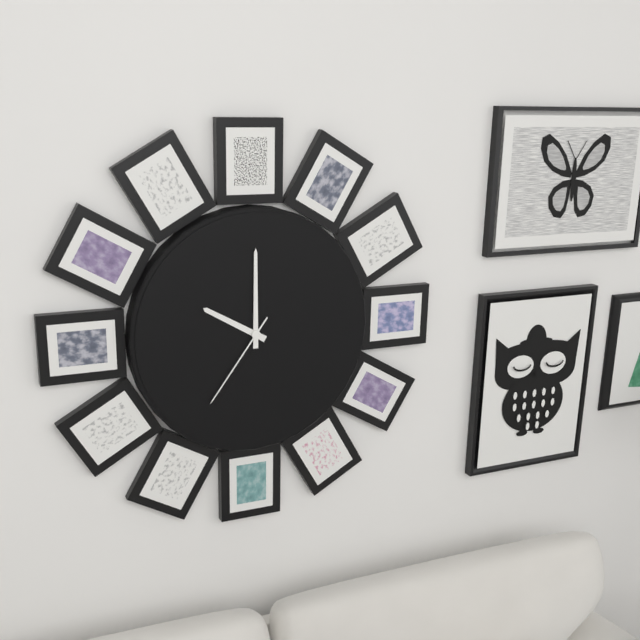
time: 10:00:36
